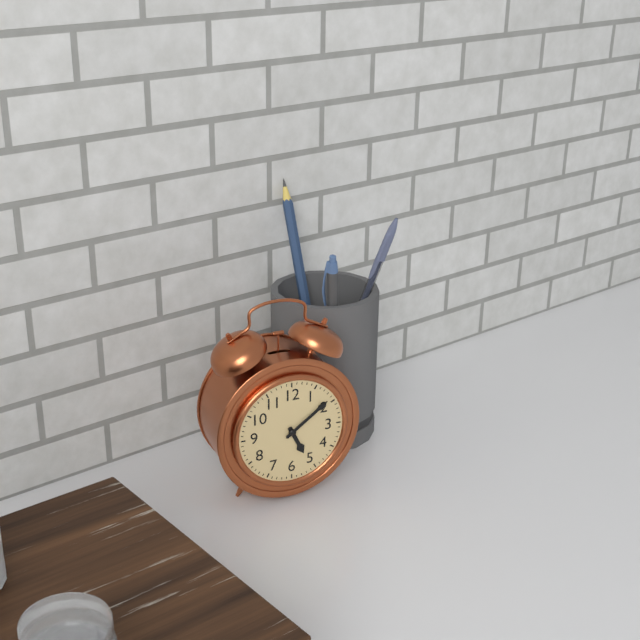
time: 5:09
